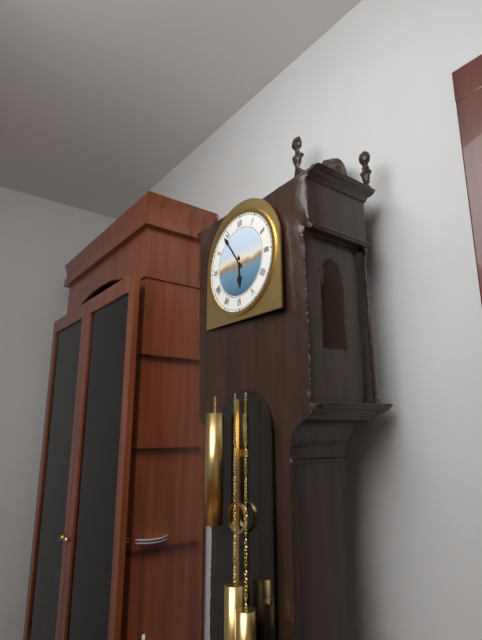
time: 5:54
